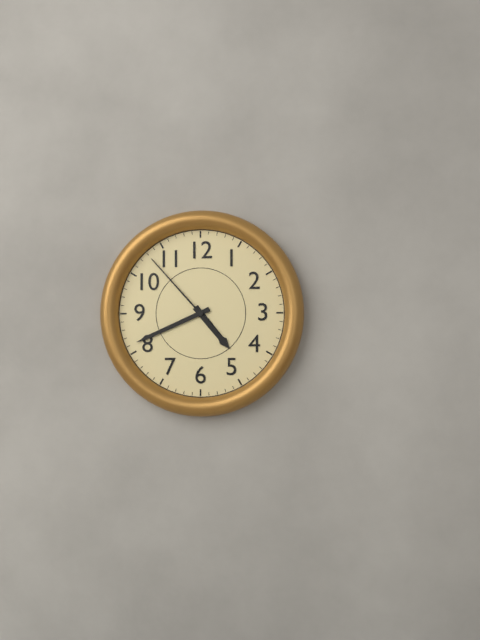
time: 4:41:53
